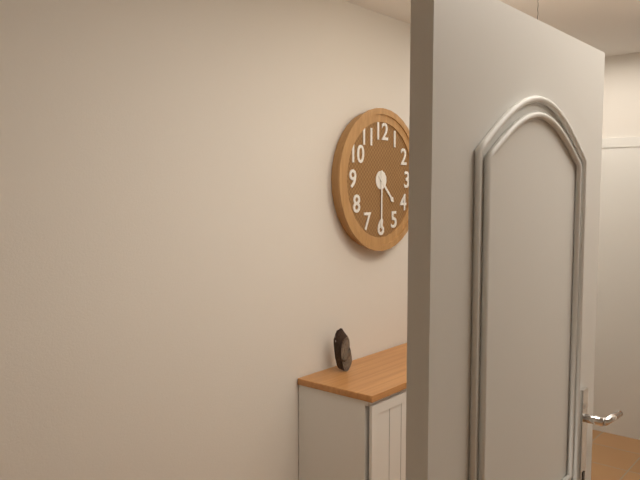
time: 4:30
